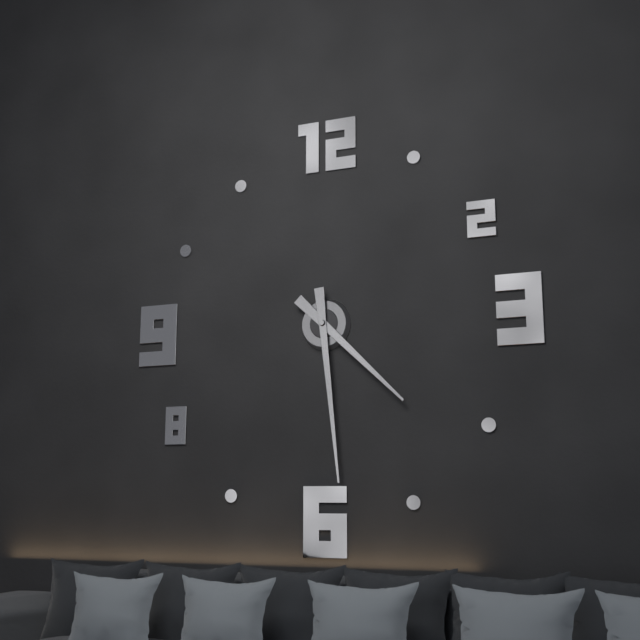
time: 4:29
